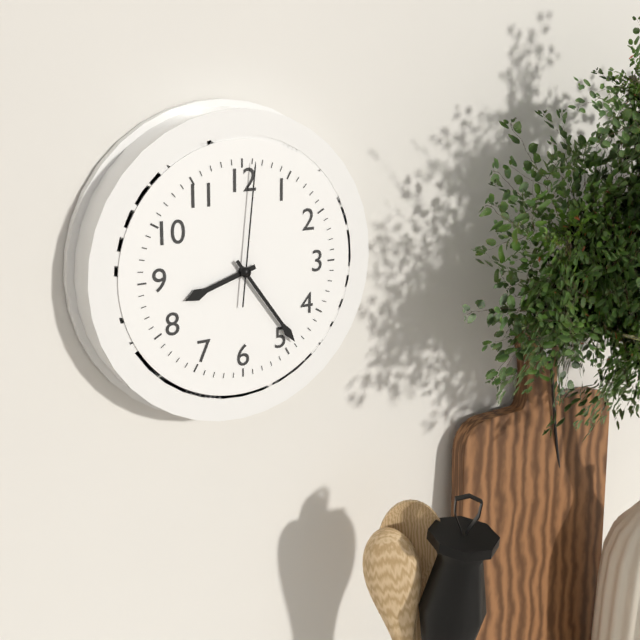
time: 8:24:01
